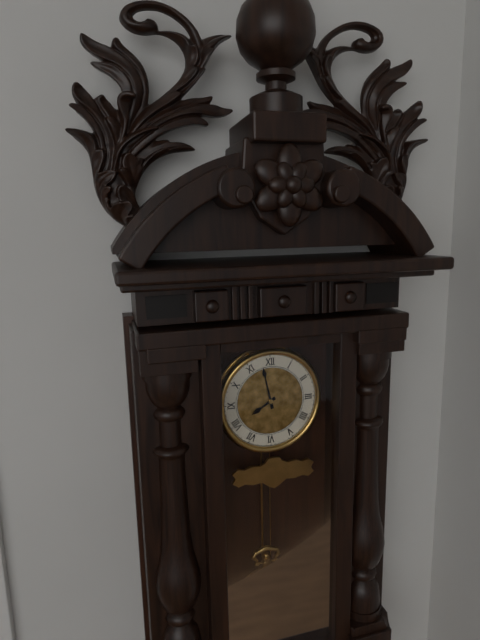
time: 7:58
